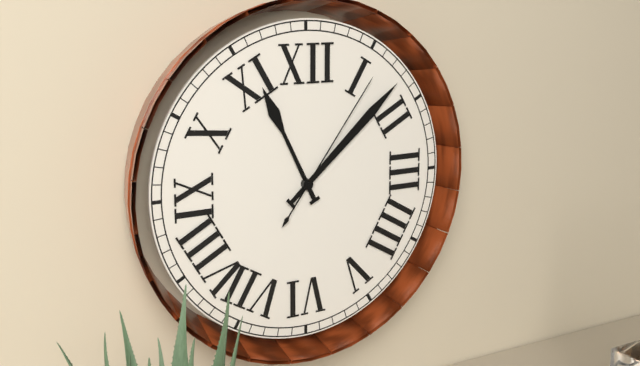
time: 11:08:06
